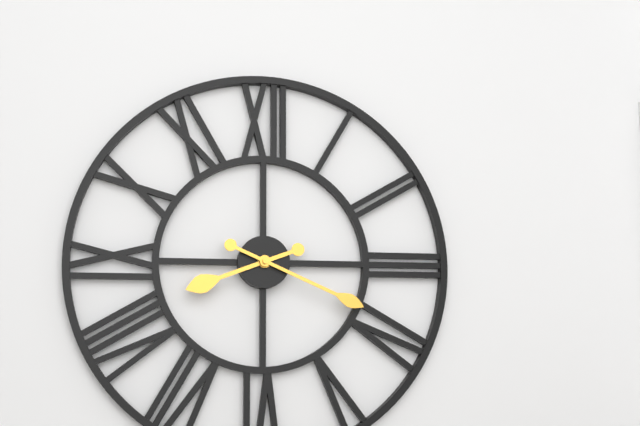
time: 8:19
